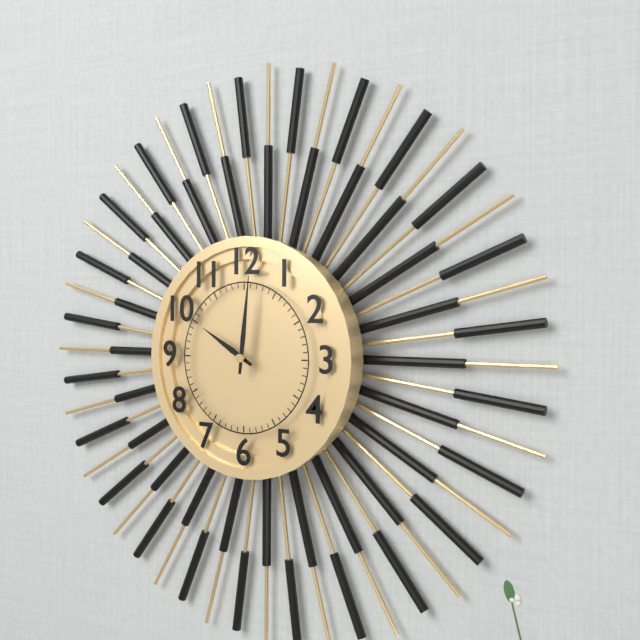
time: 10:01
